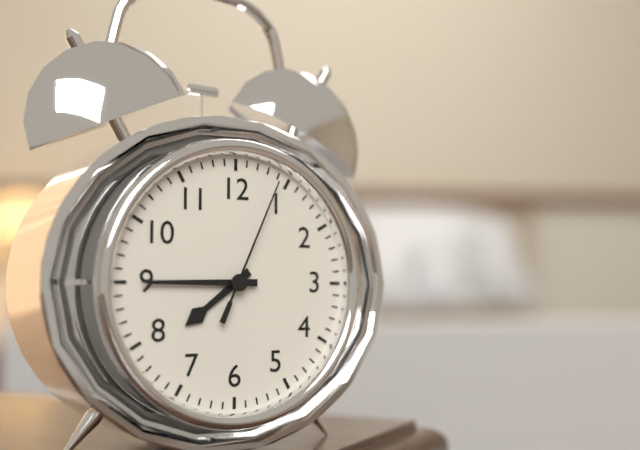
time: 7:45:04
